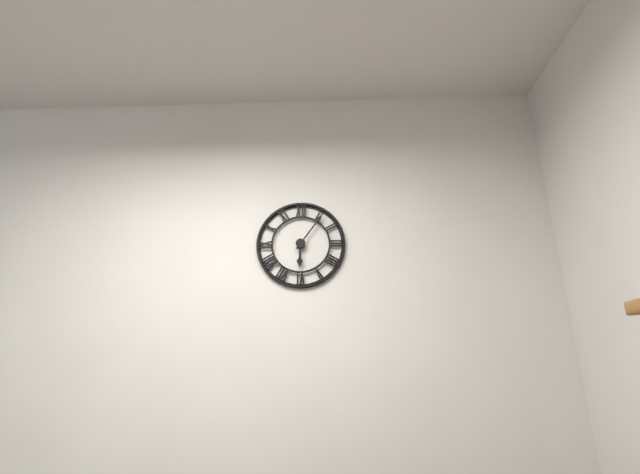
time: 6:06
